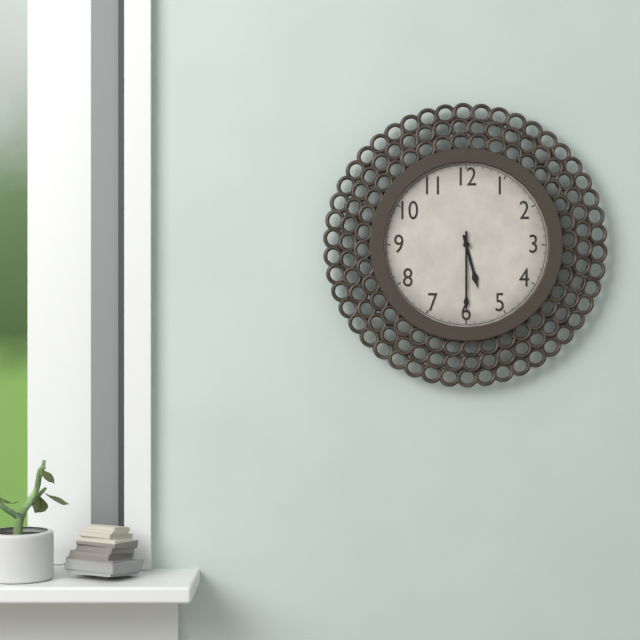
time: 5:30
